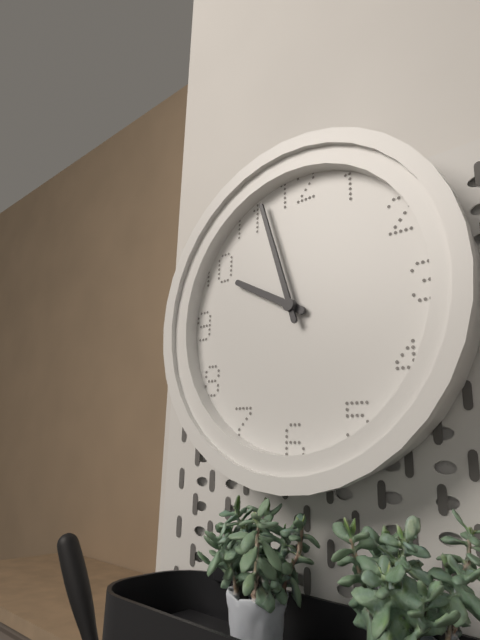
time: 9:57
